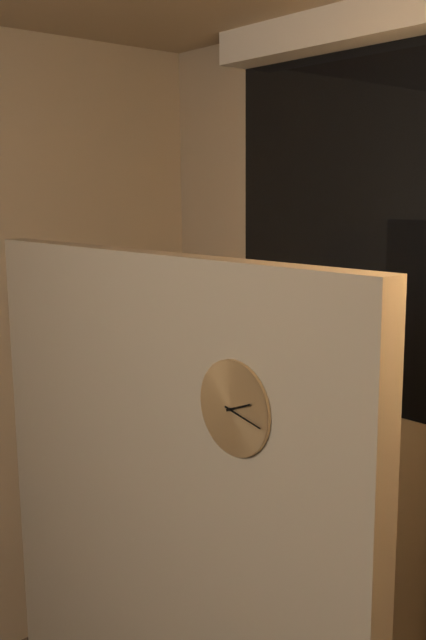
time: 2:17
